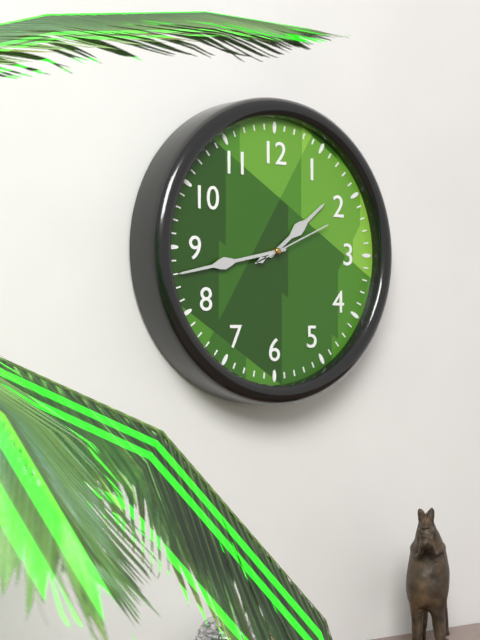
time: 1:43:11
